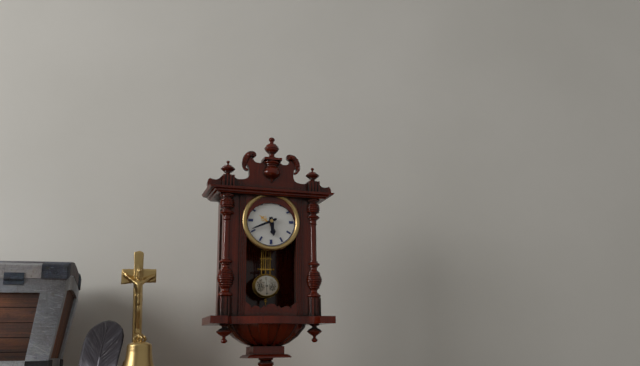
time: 5:41
